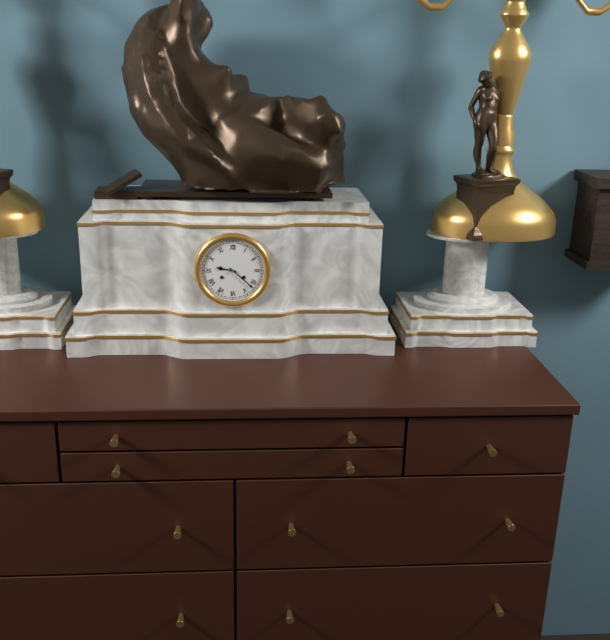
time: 9:22
